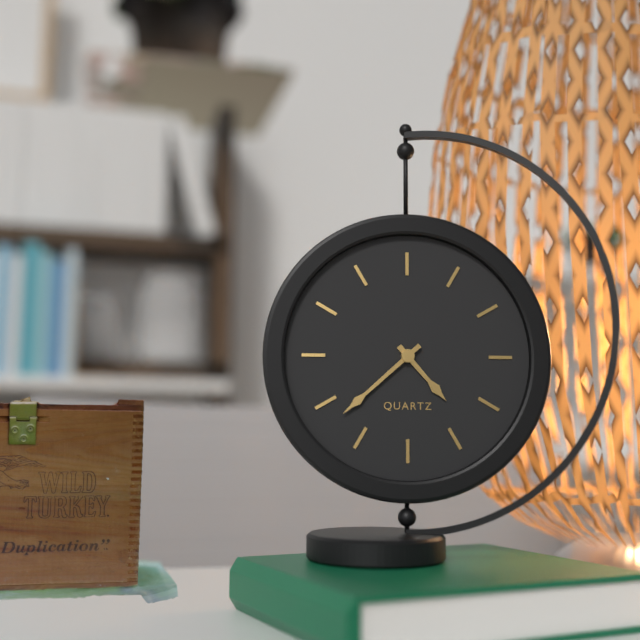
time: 4:38
